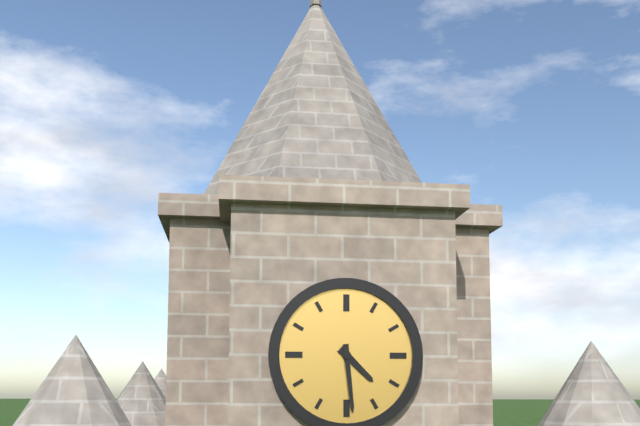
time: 4:29
